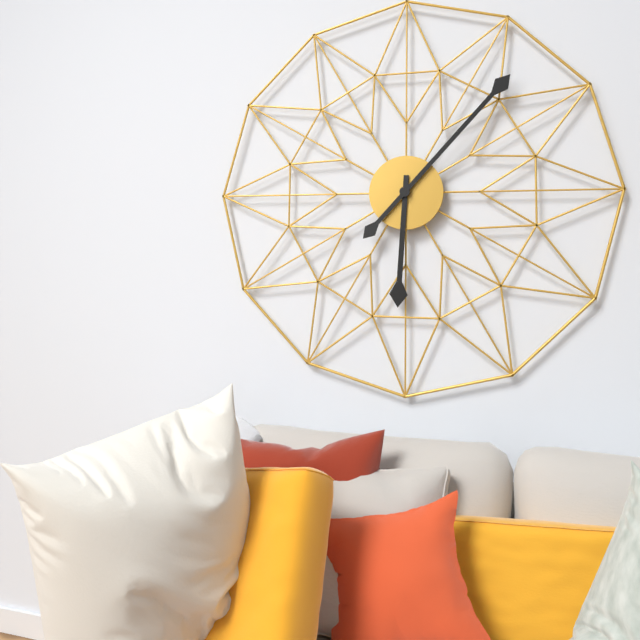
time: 6:07
